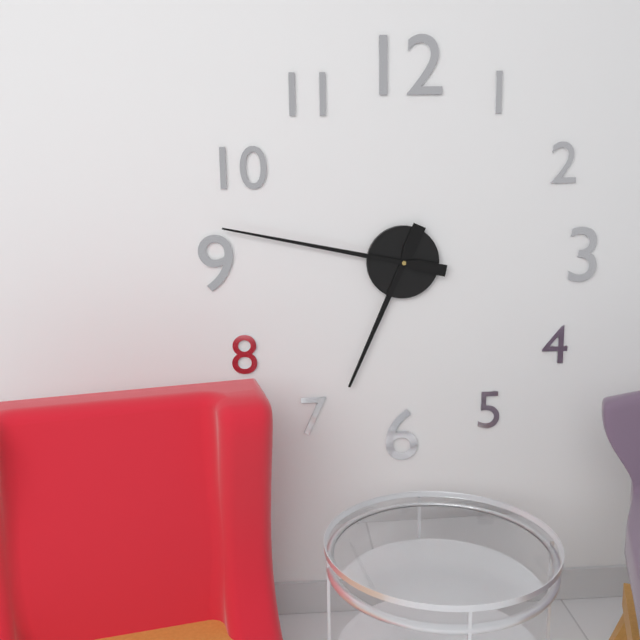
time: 6:47
